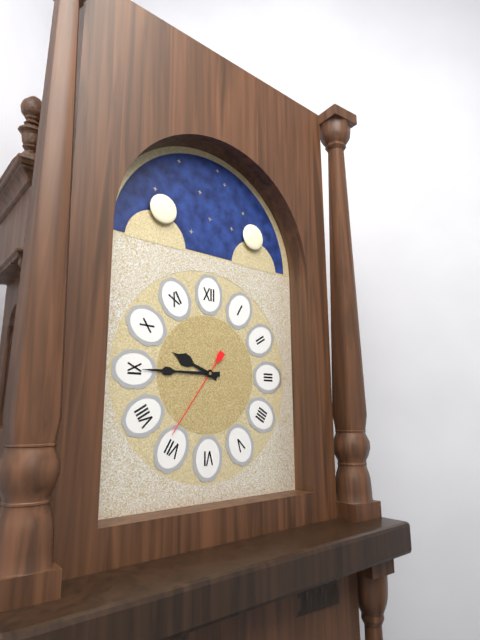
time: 9:45:36
